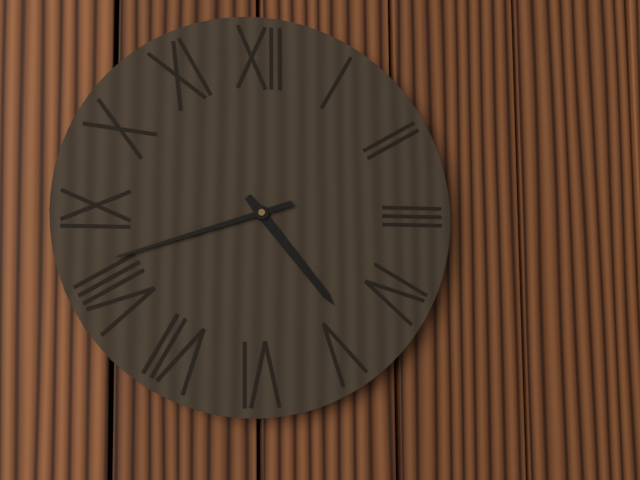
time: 4:42
